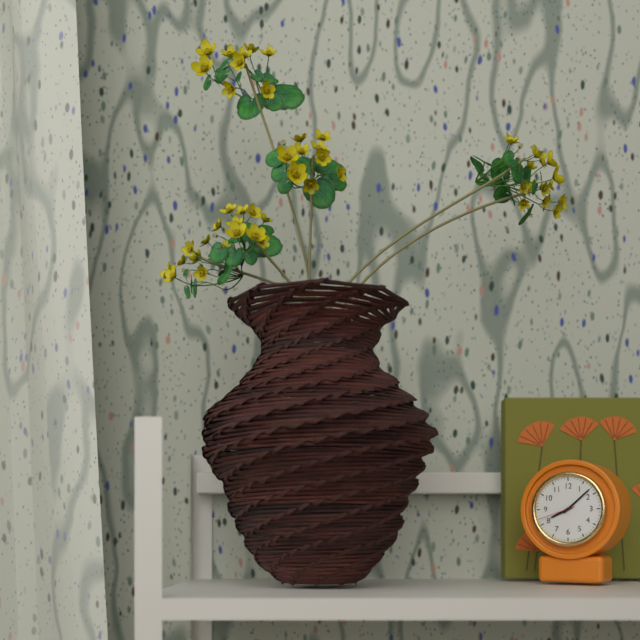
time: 8:08
